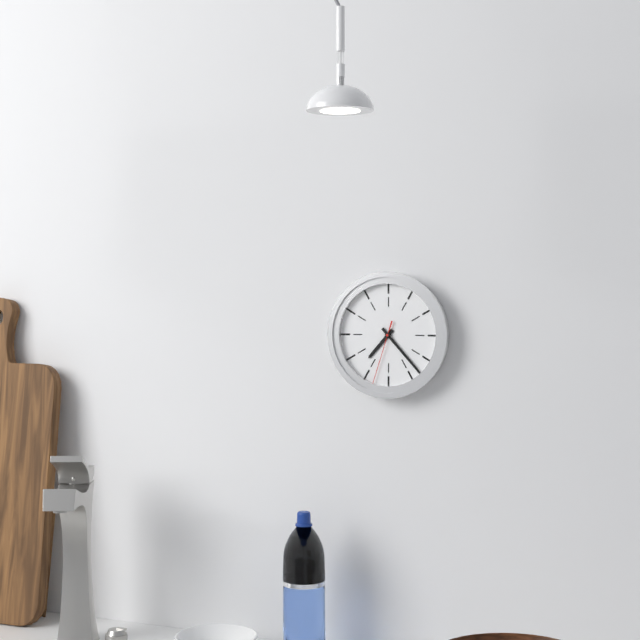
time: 7:23:33
